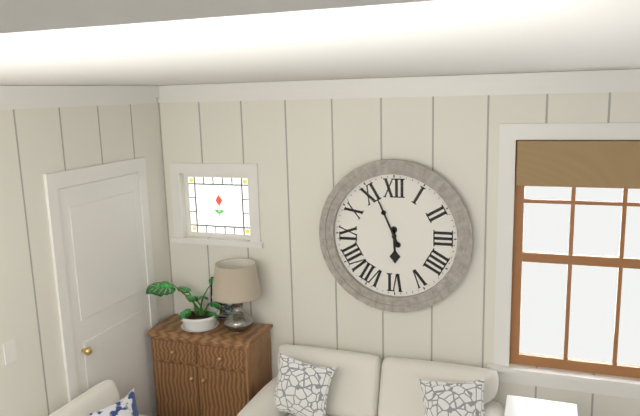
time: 5:56
